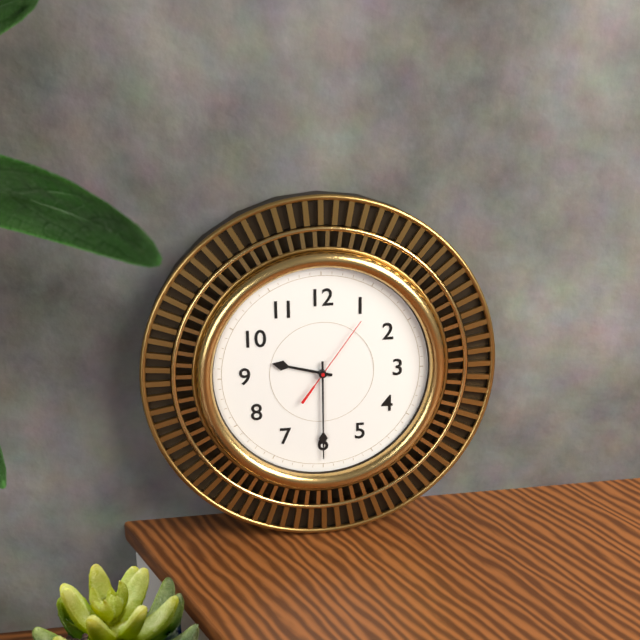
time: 9:30:06
